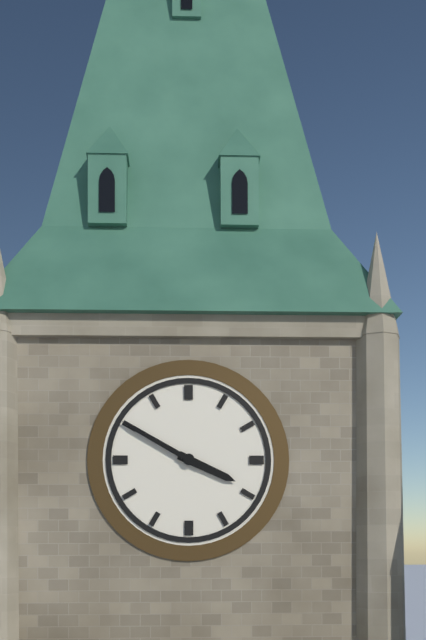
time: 3:50
